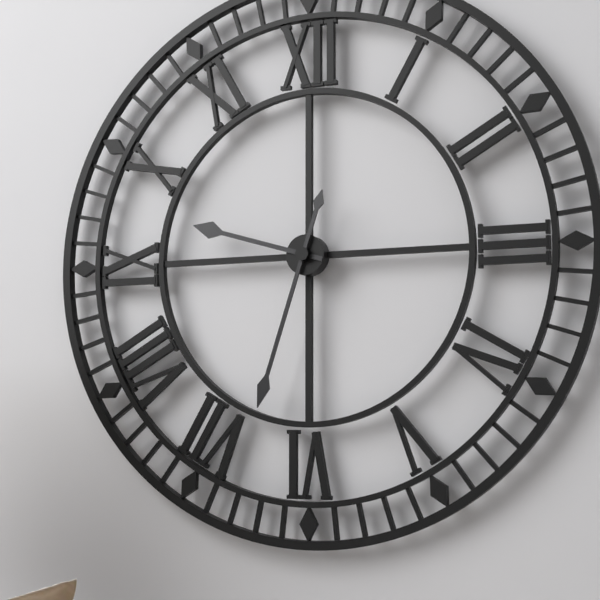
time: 9:33
